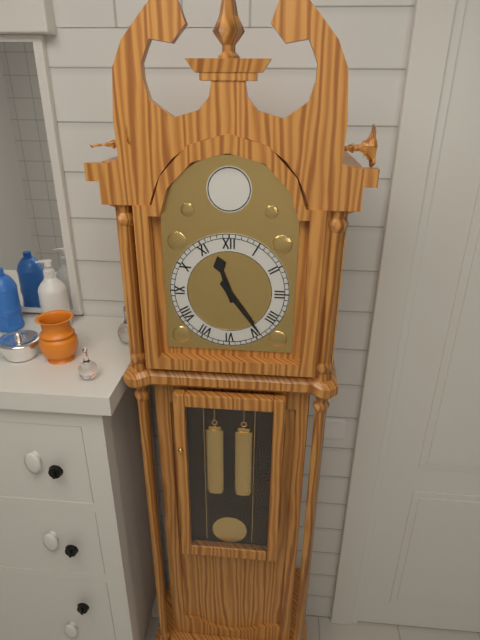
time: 11:24
